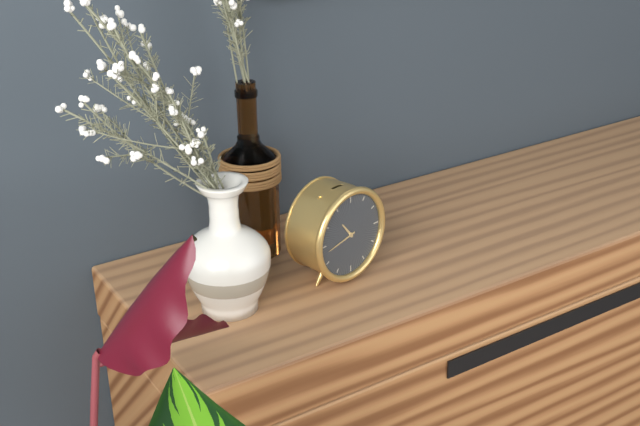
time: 10:43
